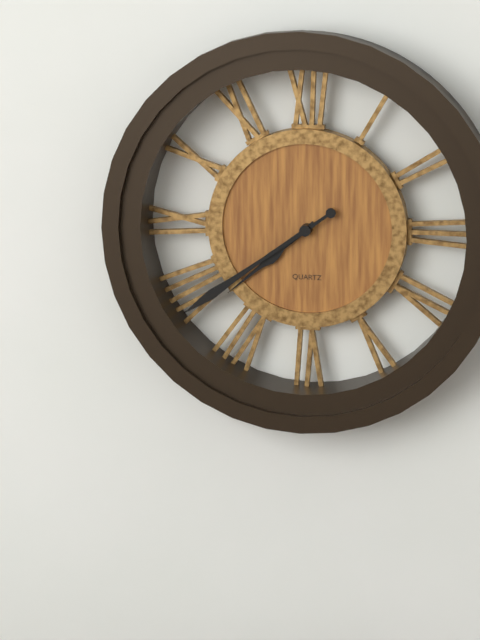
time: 7:39
